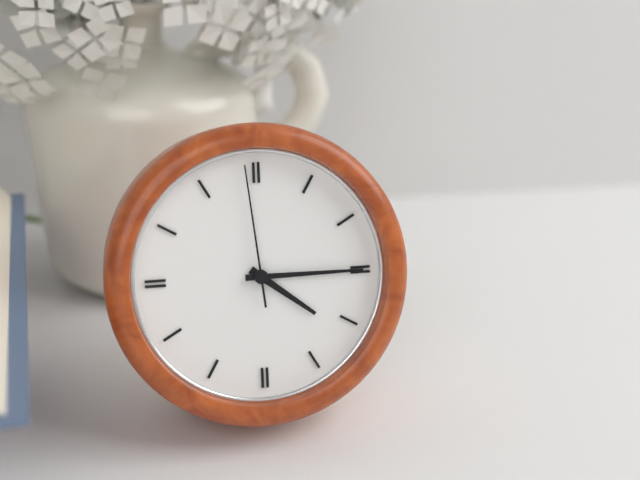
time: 4:15:59
